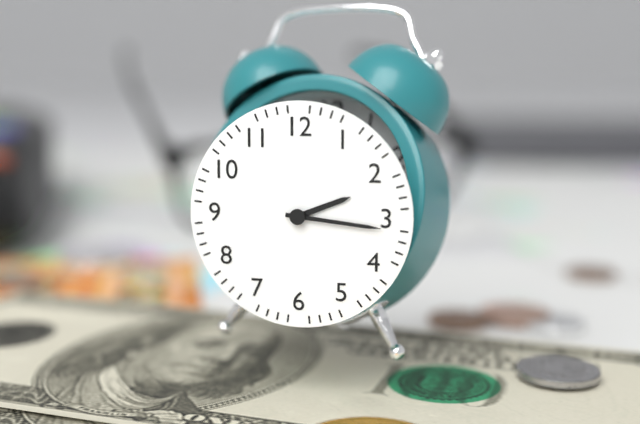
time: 2:16
